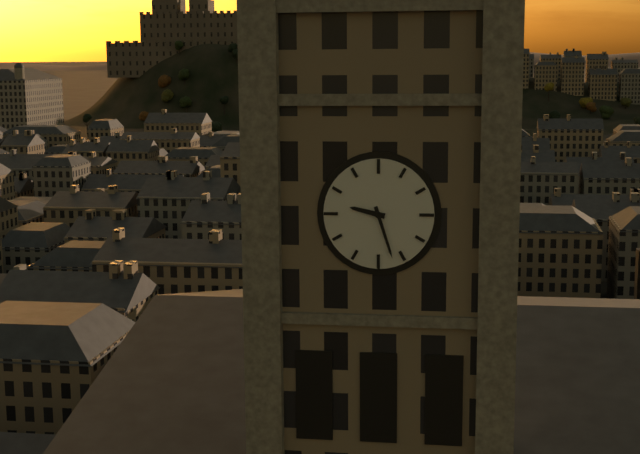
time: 9:27
